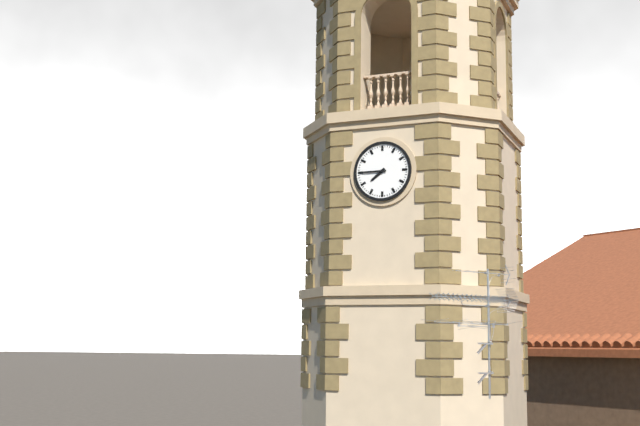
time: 7:45
